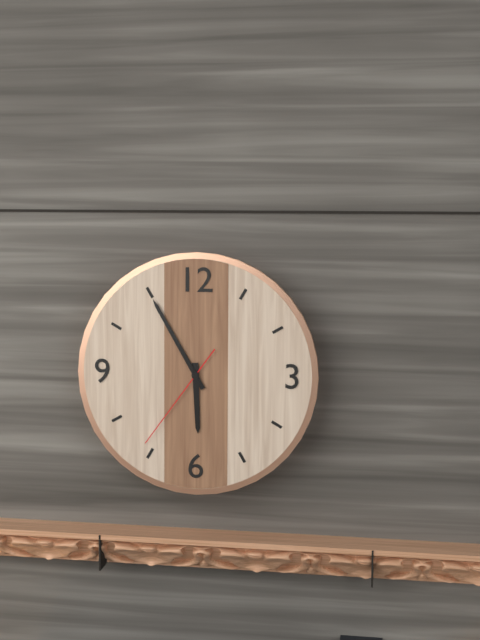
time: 5:55:36
